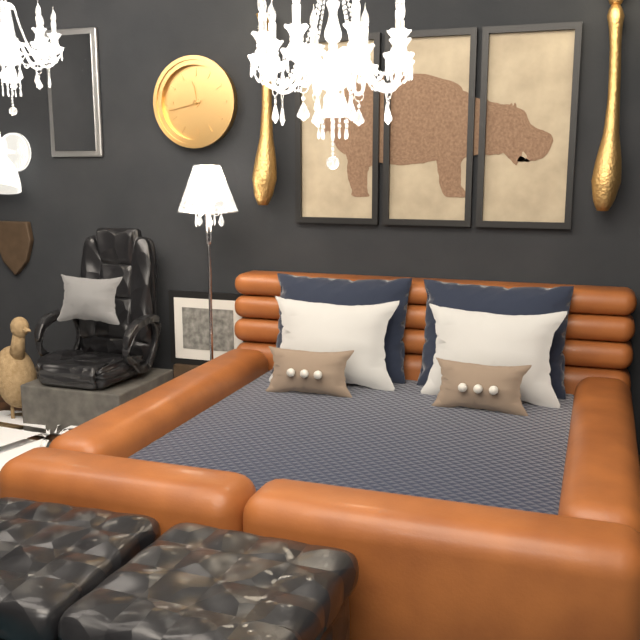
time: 11:43
